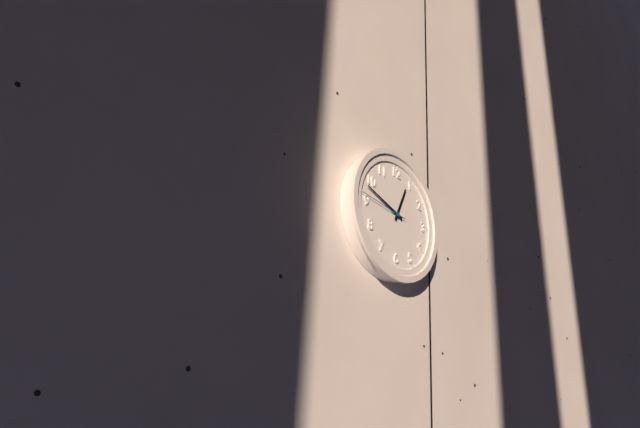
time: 12:48:46
